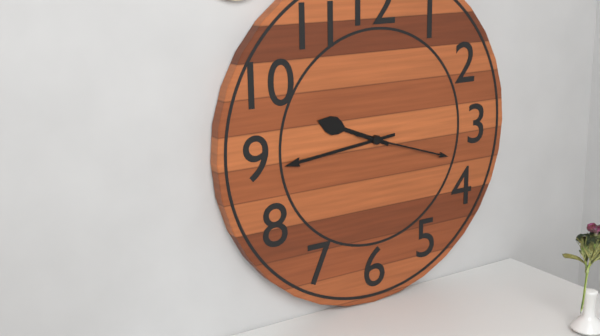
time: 9:44:18
